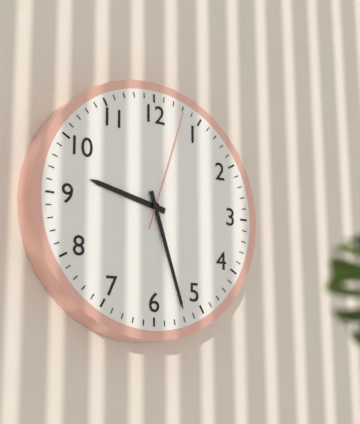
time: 9:27:03
